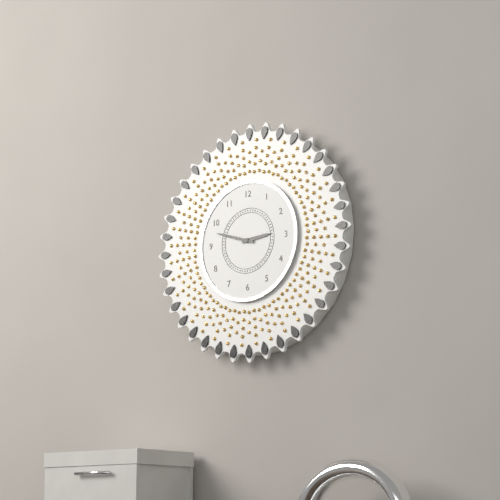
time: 2:48
